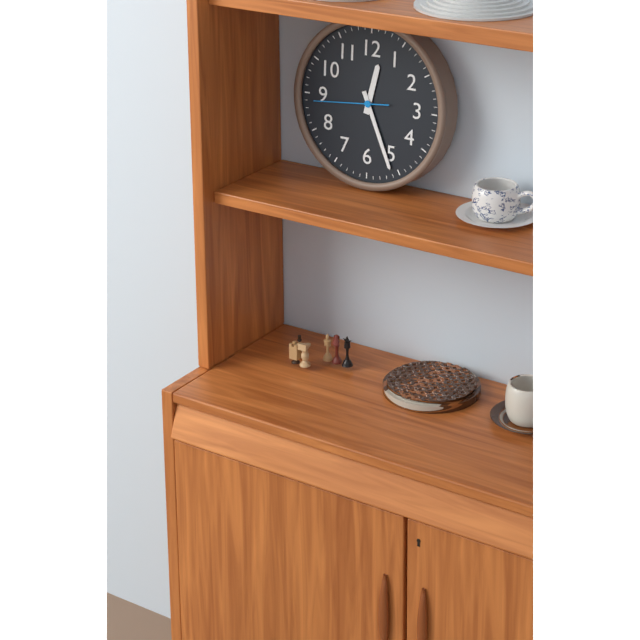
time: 12:26:44
